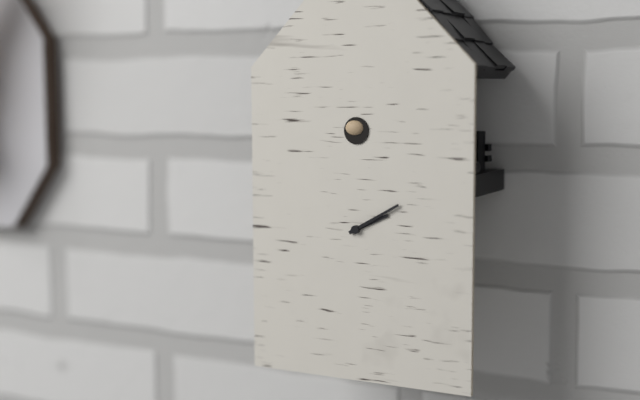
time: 2:10
